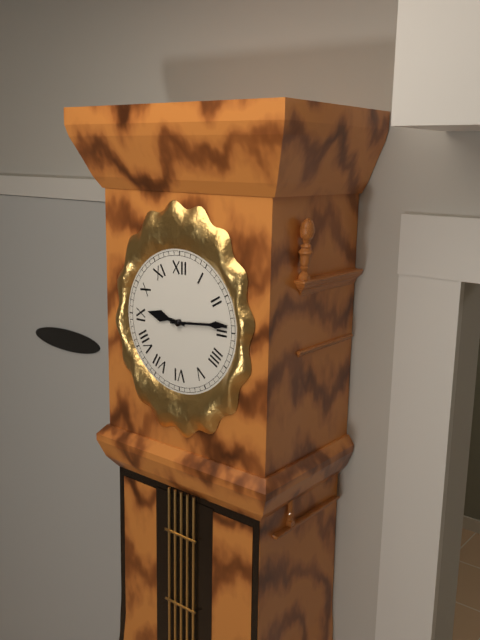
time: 9:14
